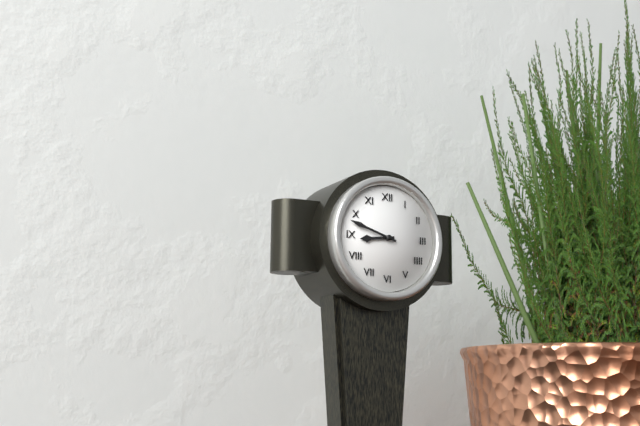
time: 8:48
